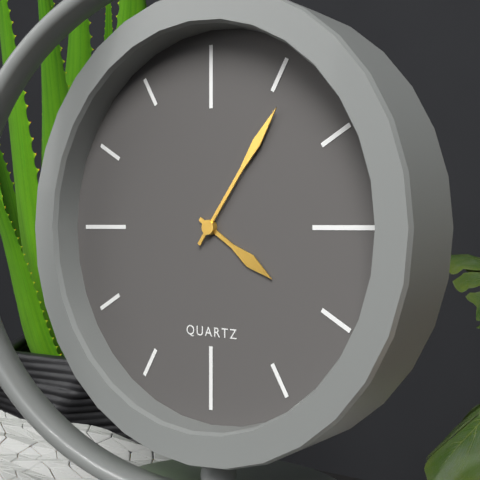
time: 4:06
